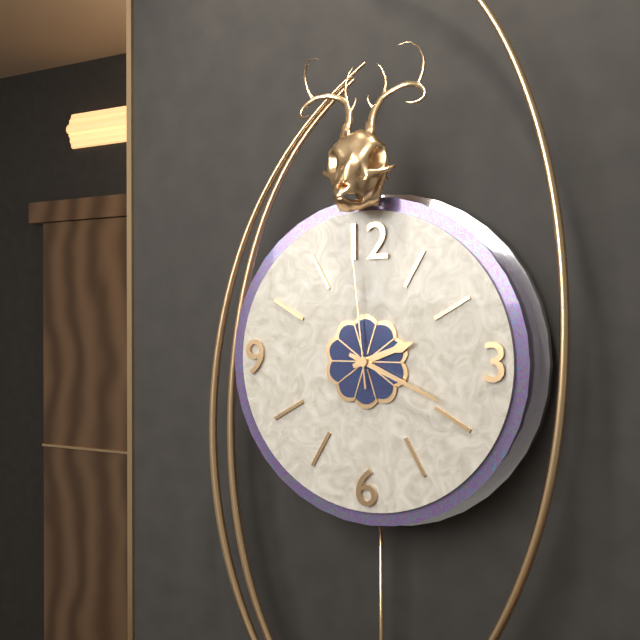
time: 2:19:59
